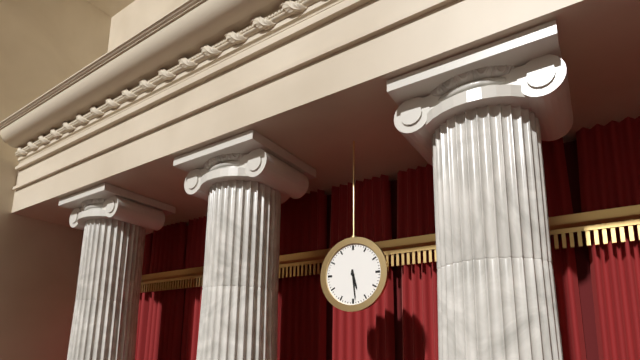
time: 5:29
